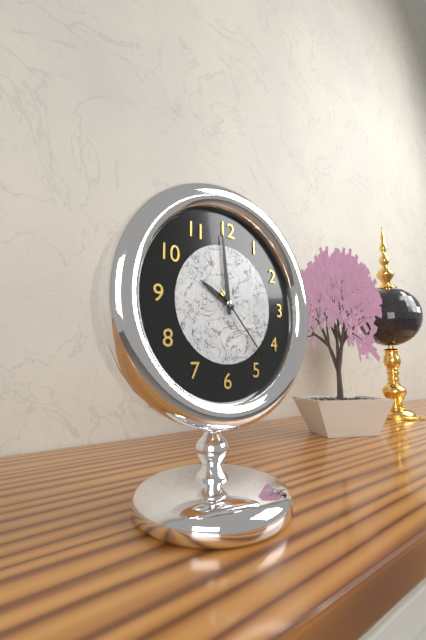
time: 9:59:23
